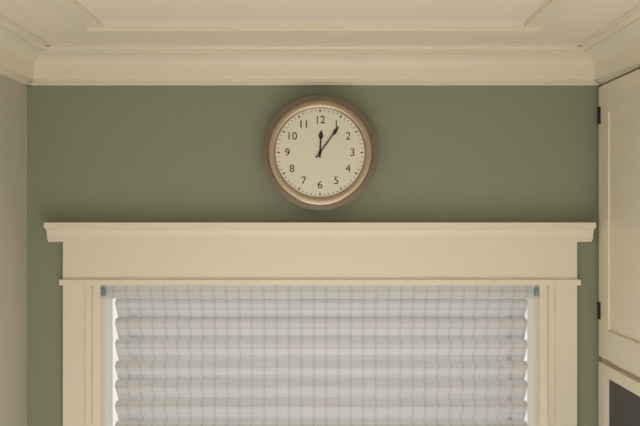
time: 12:06
